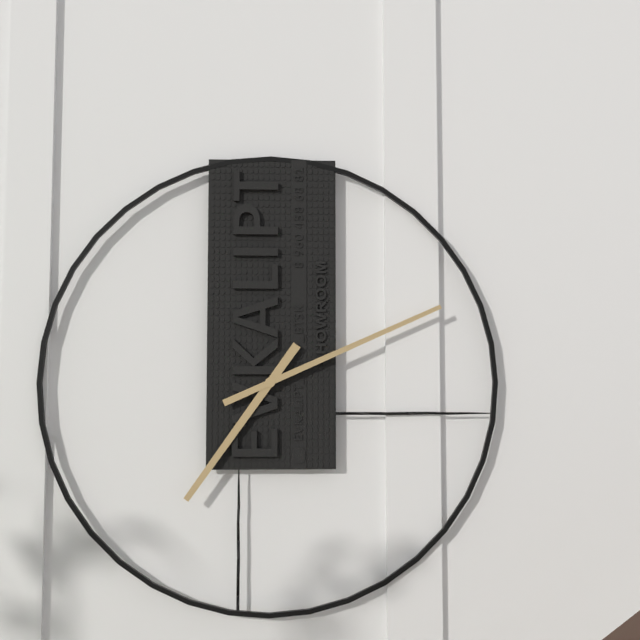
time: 7:11
